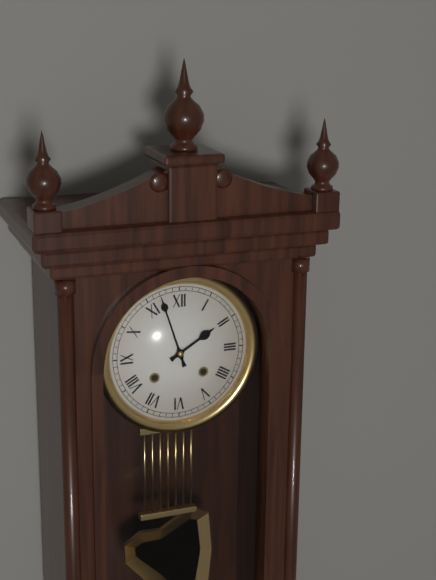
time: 1:57
